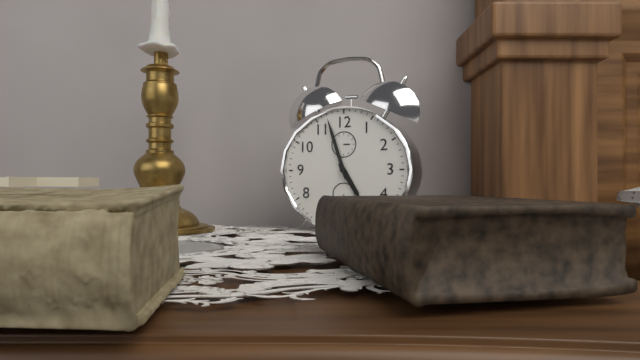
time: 4:57
